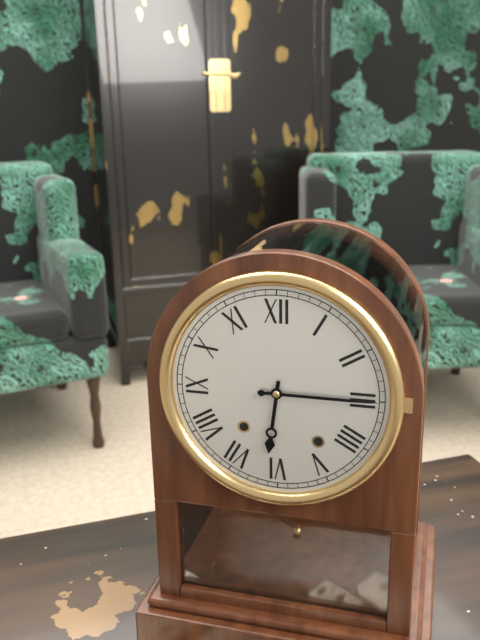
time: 6:15
